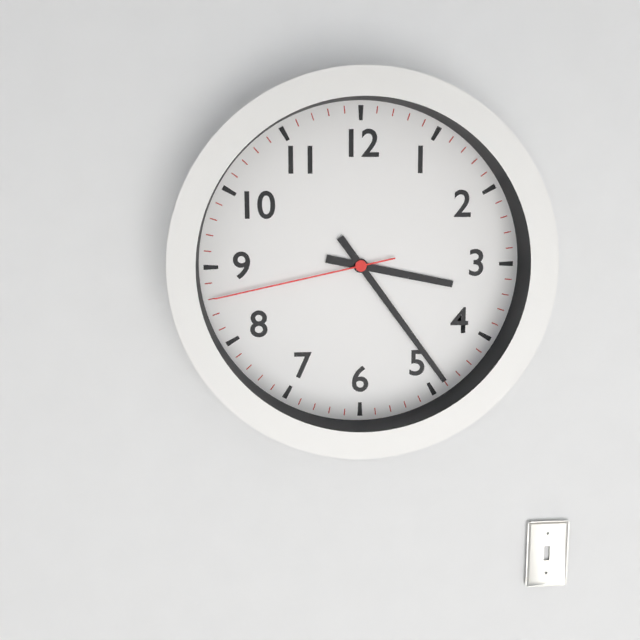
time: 3:24:43
